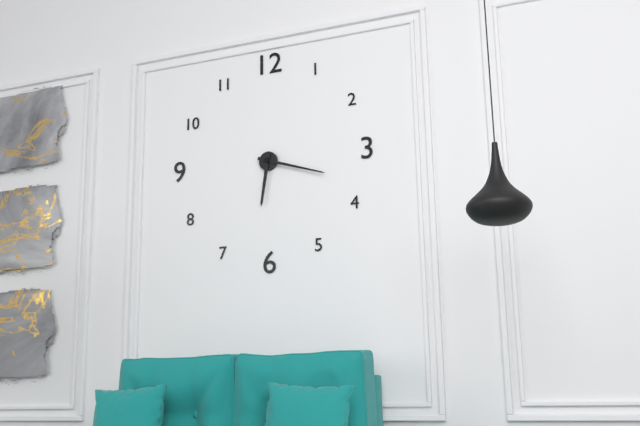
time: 6:18
